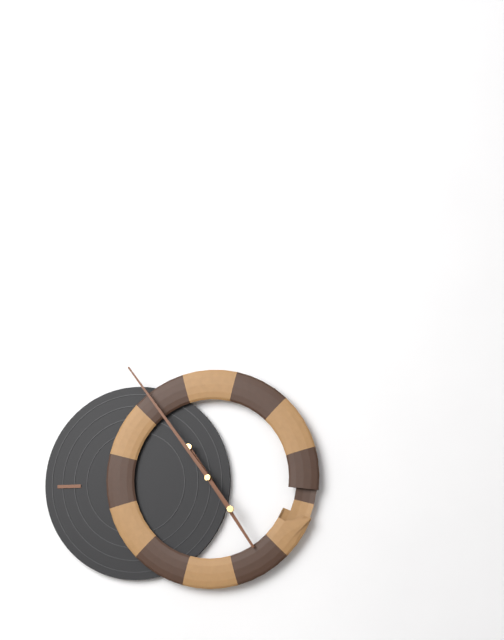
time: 4:54
